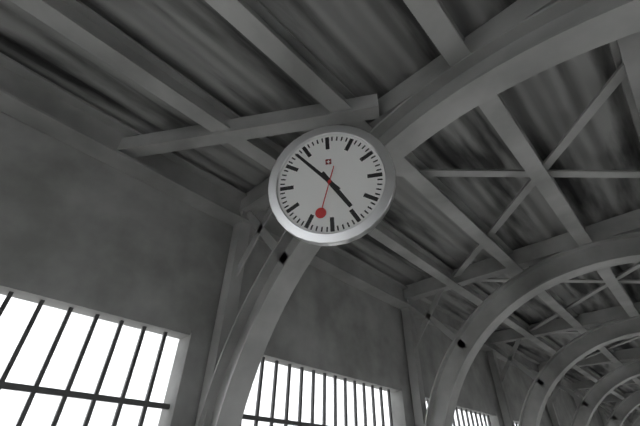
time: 4:53
